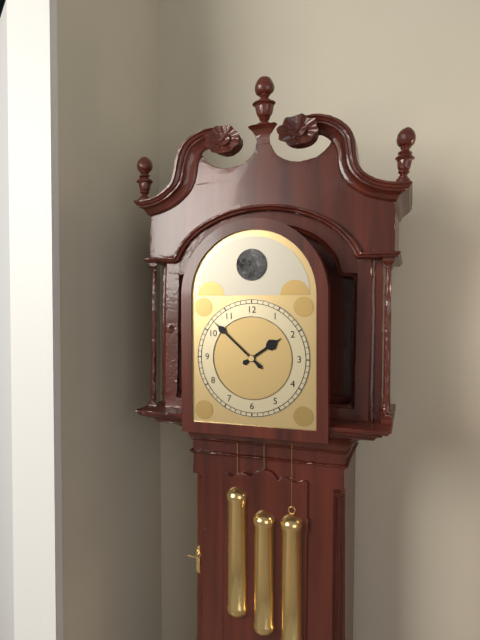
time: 1:52
